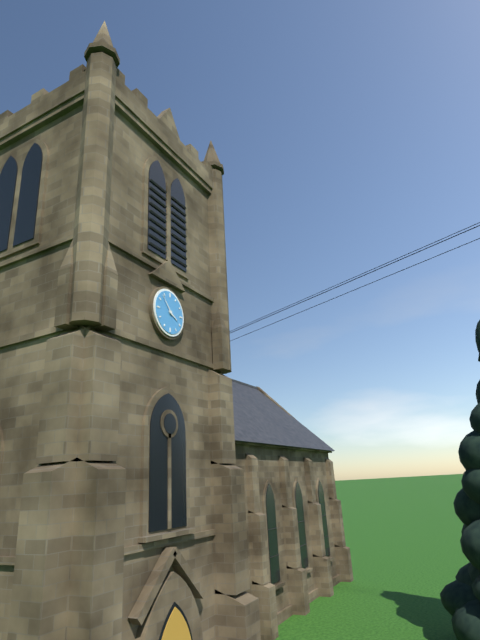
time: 3:53
